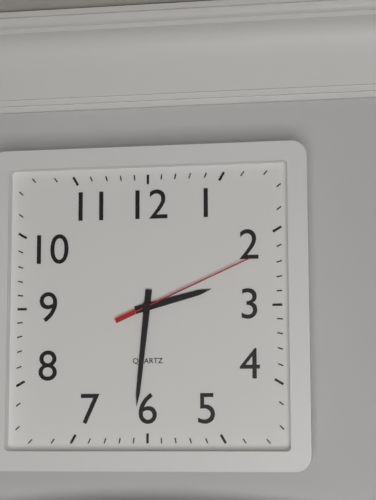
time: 2:31:11
